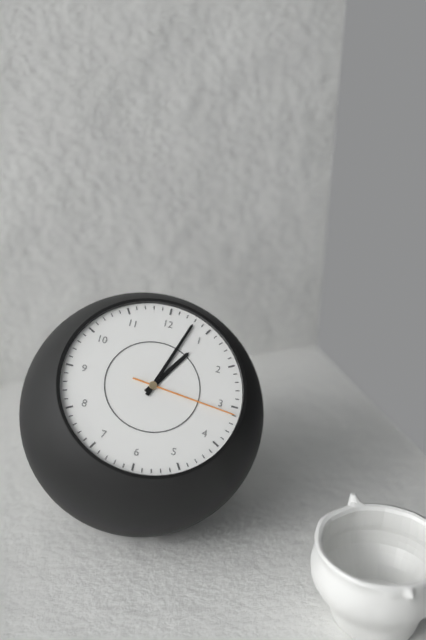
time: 1:03:16
